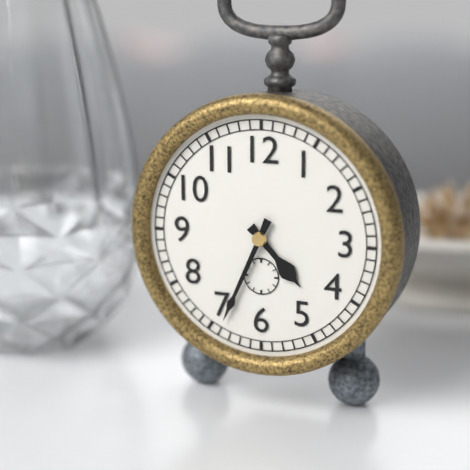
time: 4:34
